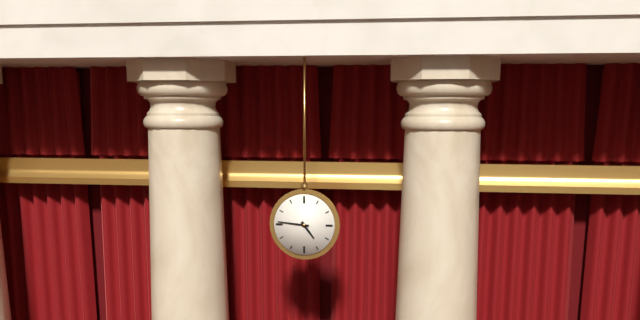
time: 4:46
